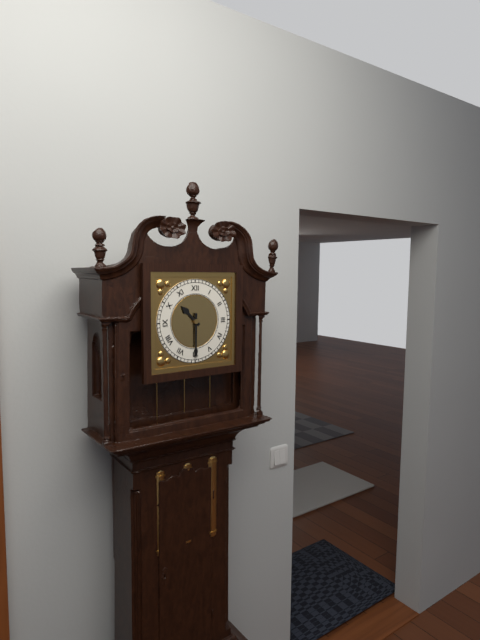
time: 10:30
